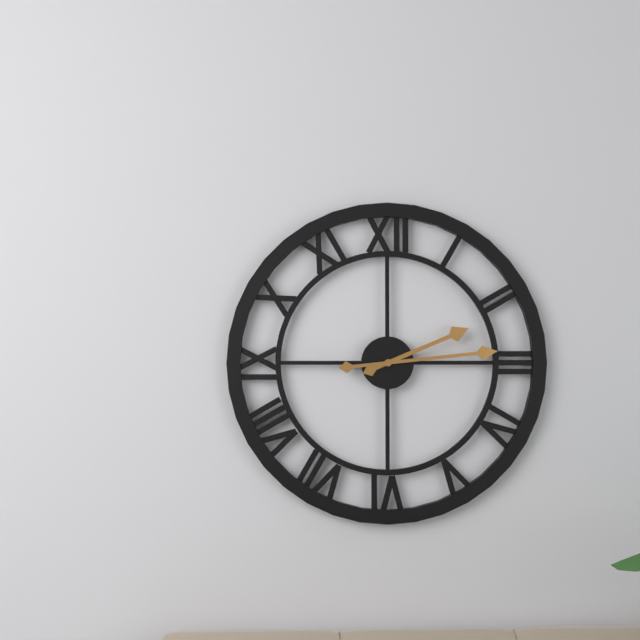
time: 2:14
